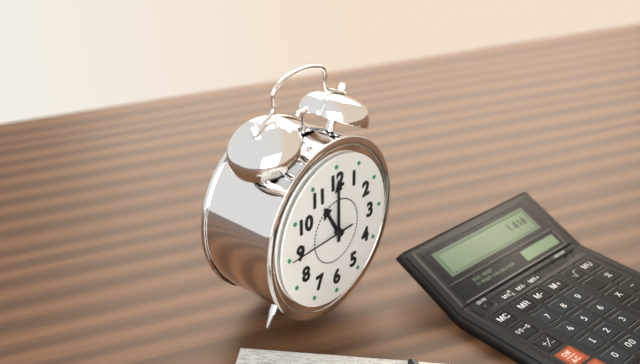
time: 11:00:45
